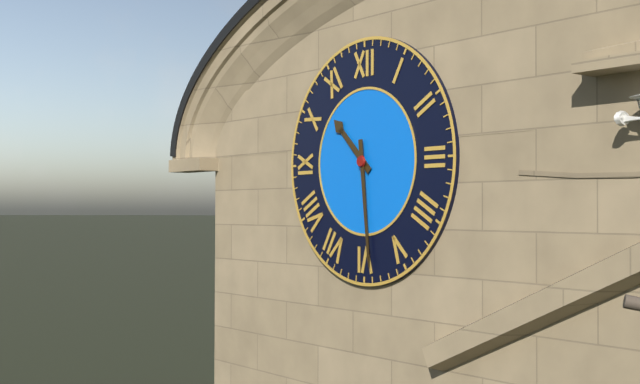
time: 10:29
